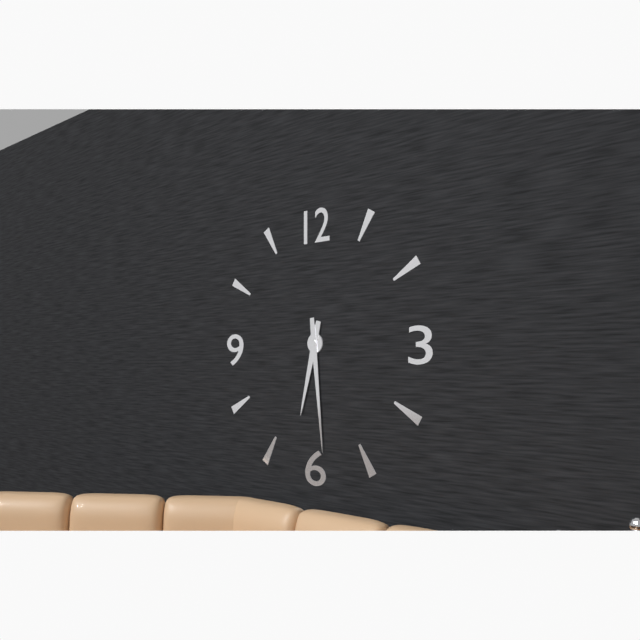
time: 6:29
